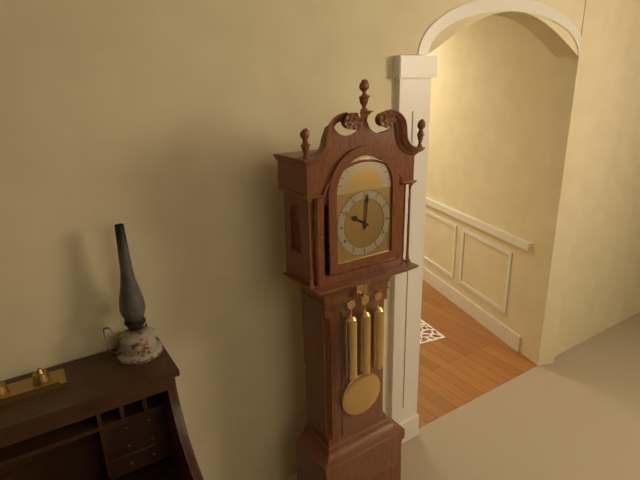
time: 10:01
